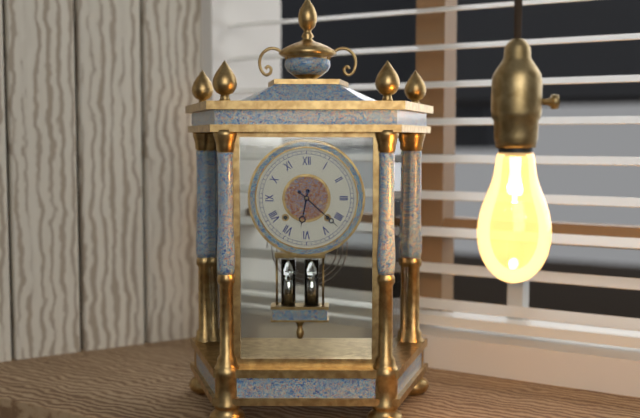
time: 6:22
